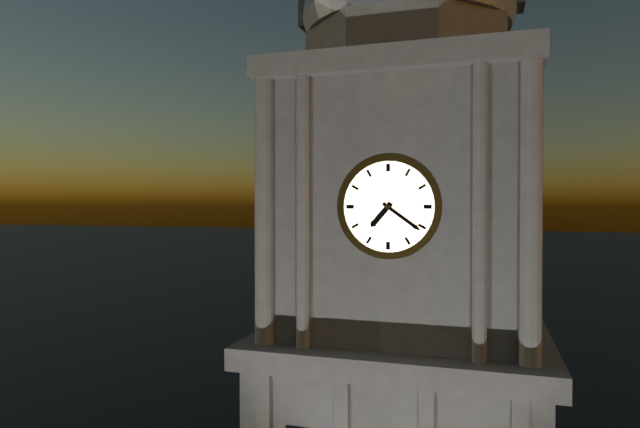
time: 7:21
